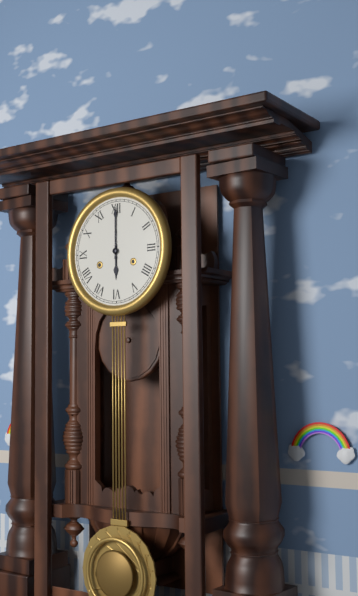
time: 6:00
